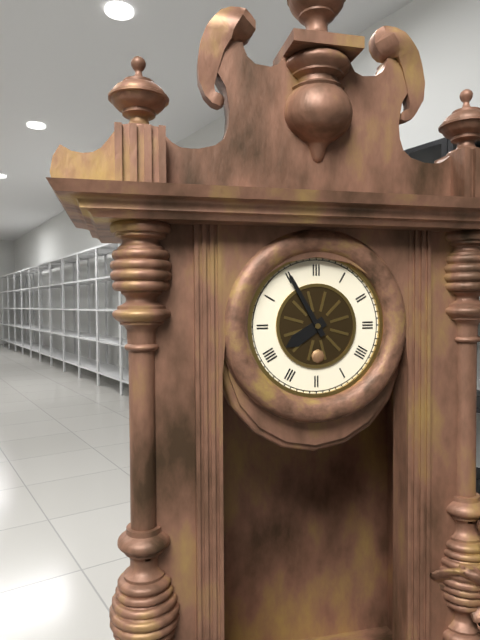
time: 7:55
